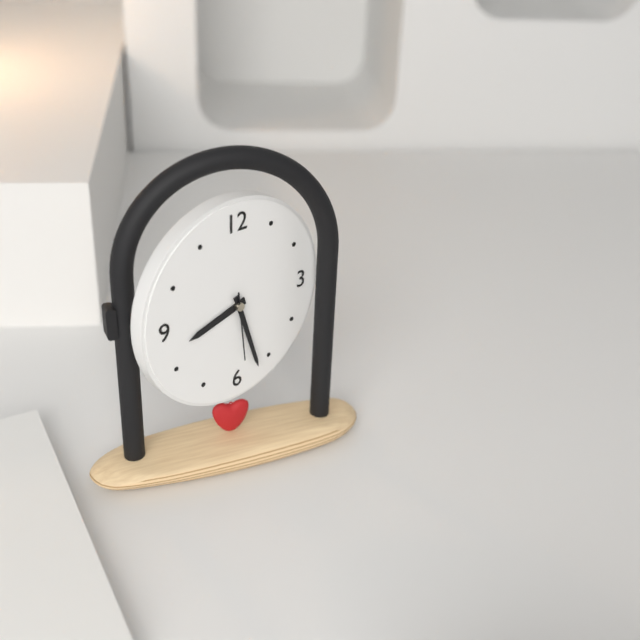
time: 8:27:29
